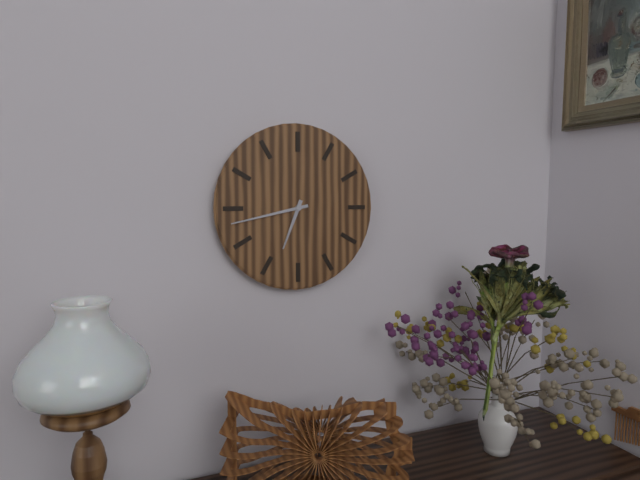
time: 6:43
